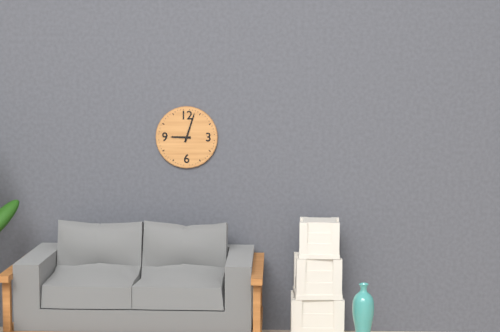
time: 9:03
